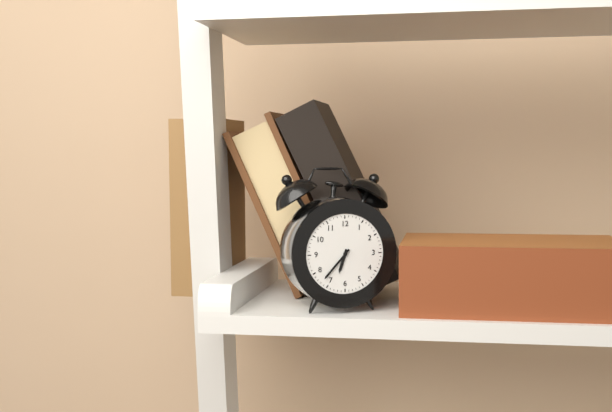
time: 6:37
